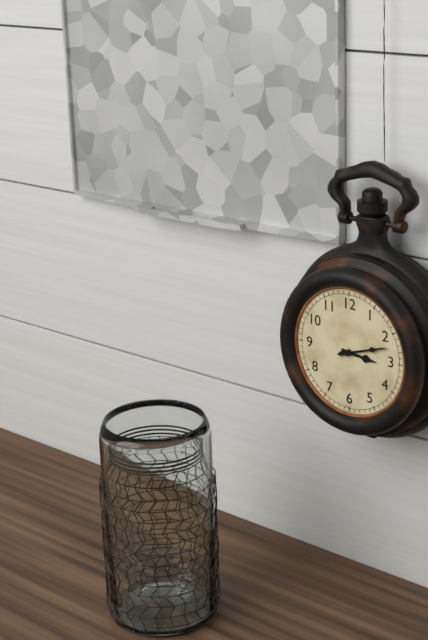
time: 3:12
